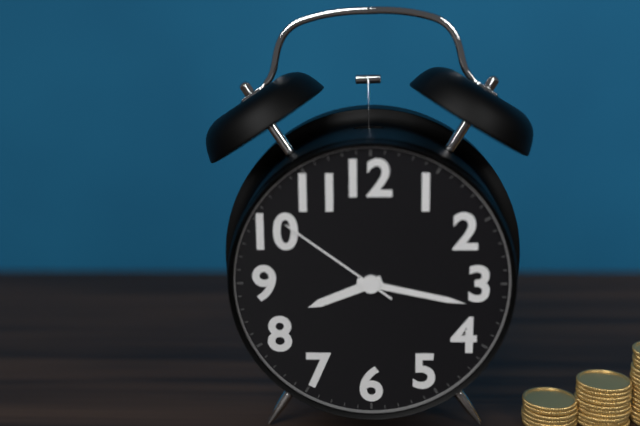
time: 8:17:51
